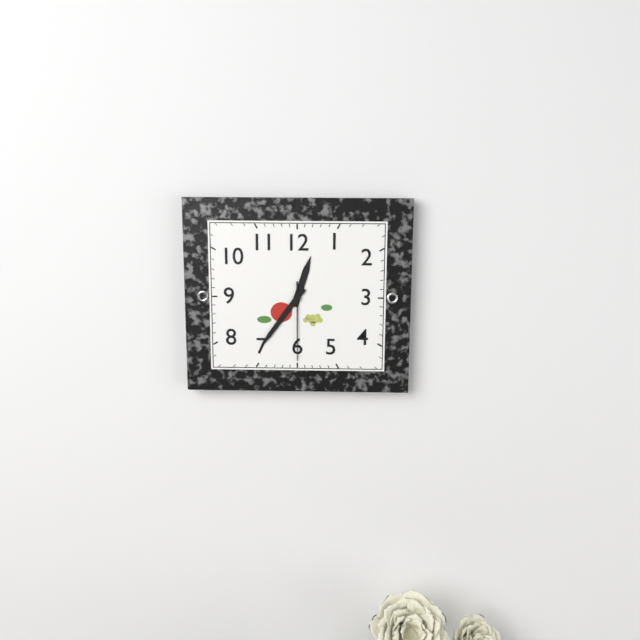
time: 12:36:30
